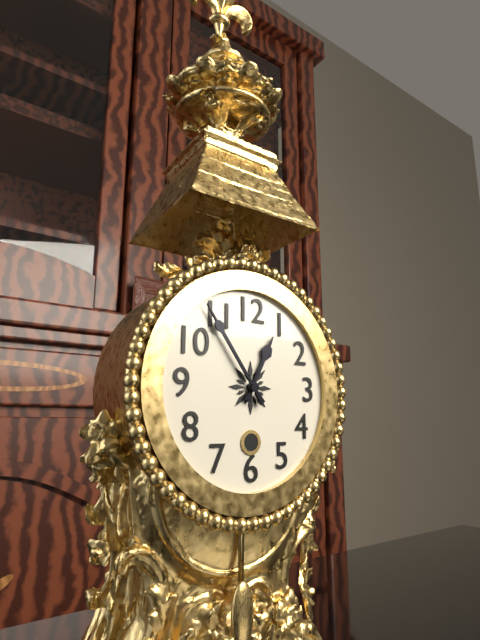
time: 12:54
